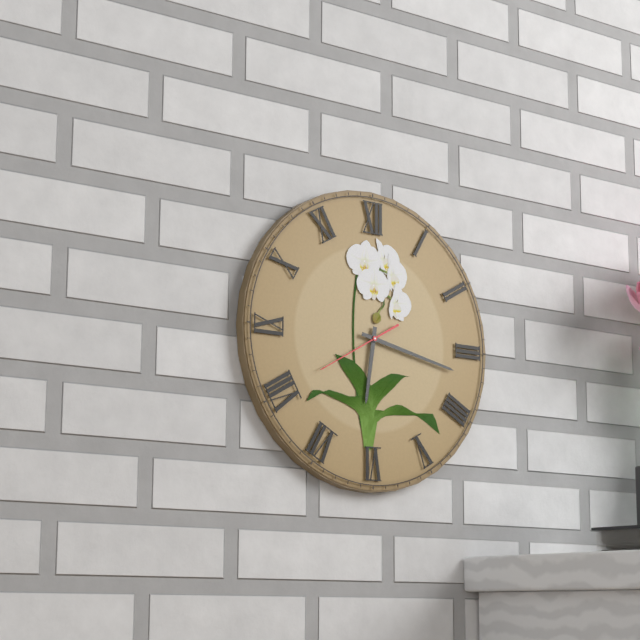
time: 6:17:40
